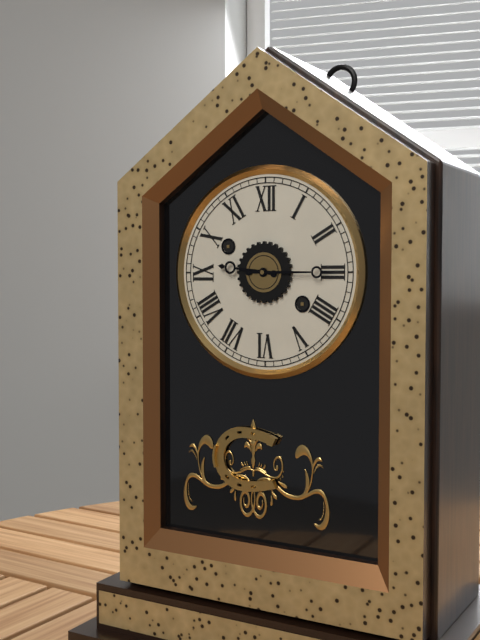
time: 9:15
